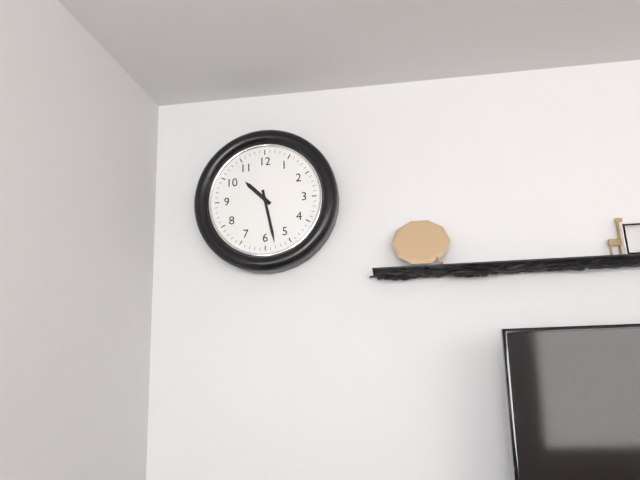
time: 10:28
